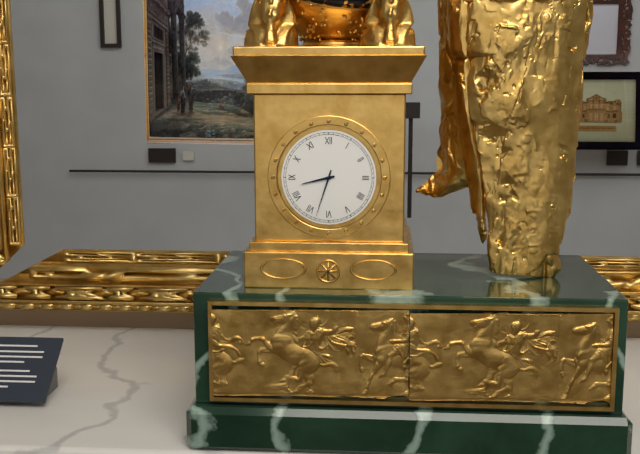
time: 8:33
